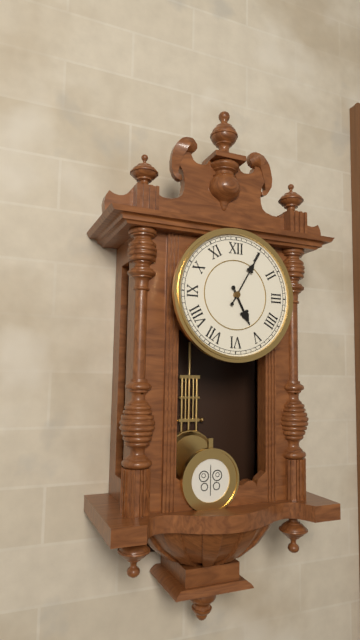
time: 5:05
